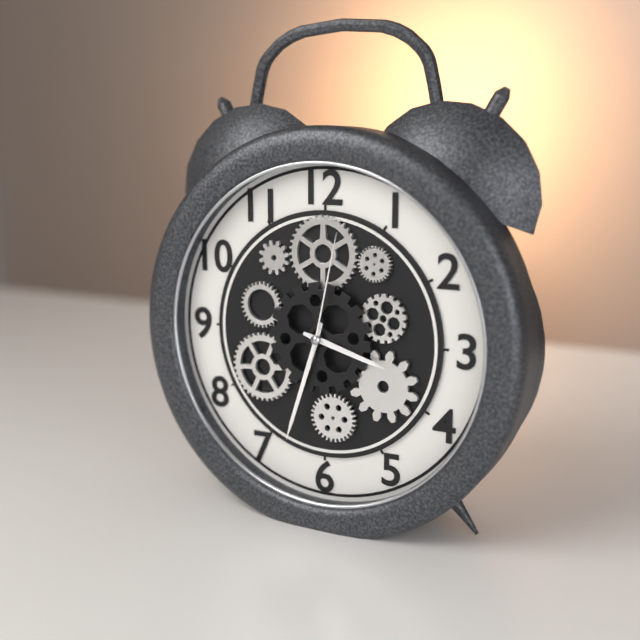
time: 3:33:02
